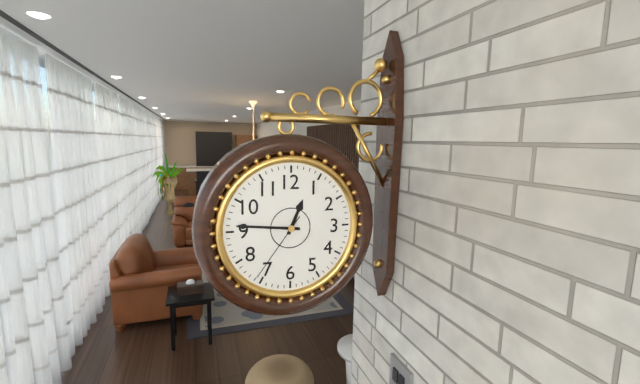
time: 12:46:36
